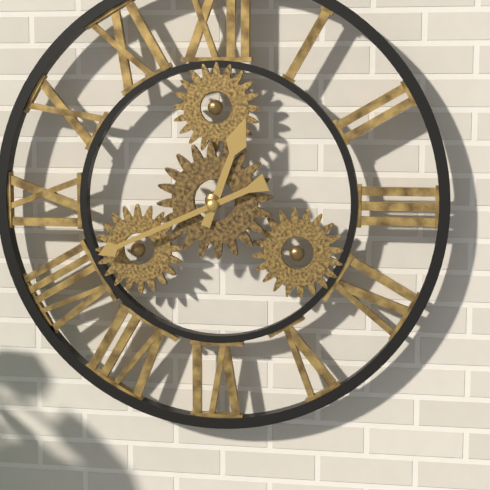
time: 12:41
